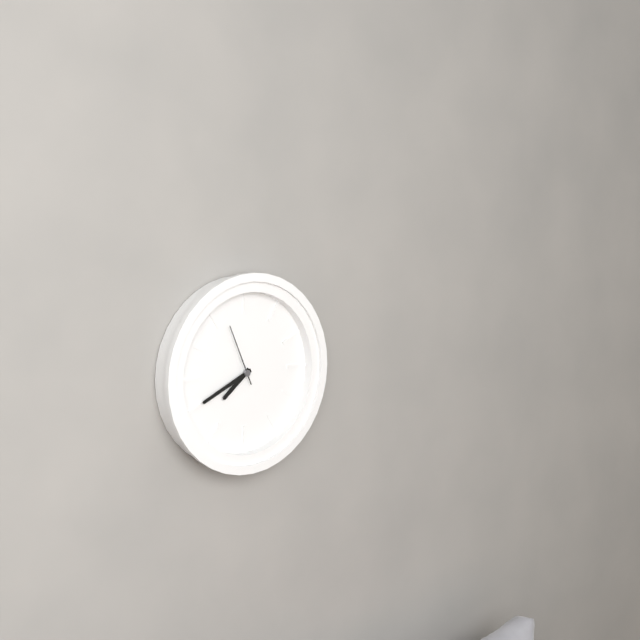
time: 7:41:56
